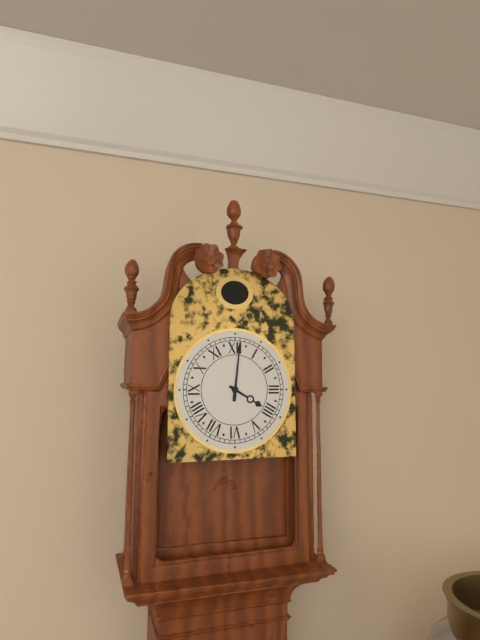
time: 4:01
